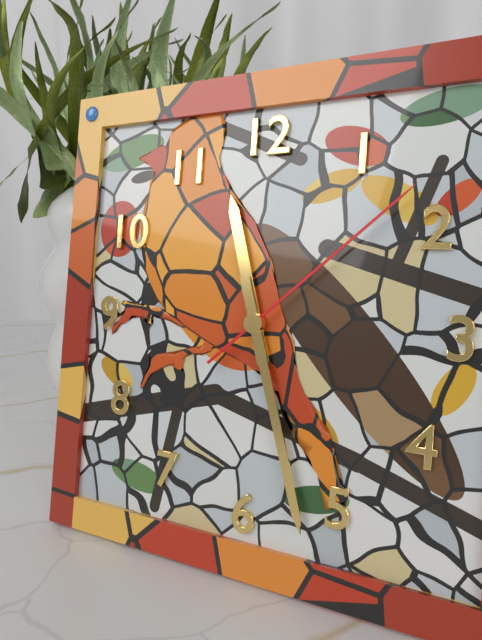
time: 11:27:08
